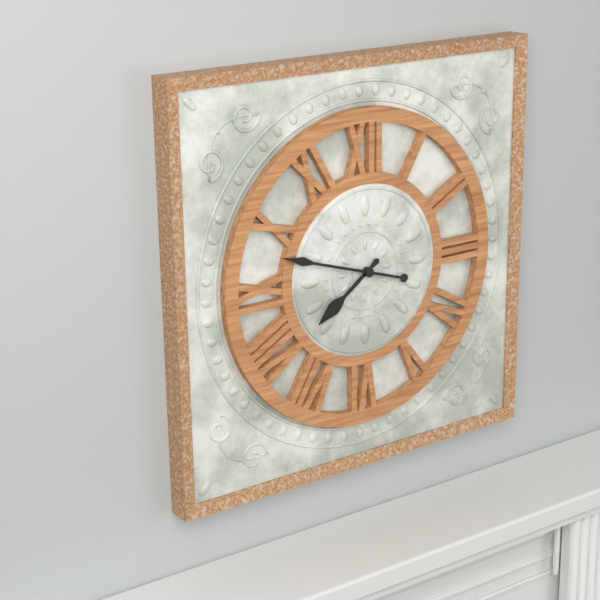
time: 7:48
